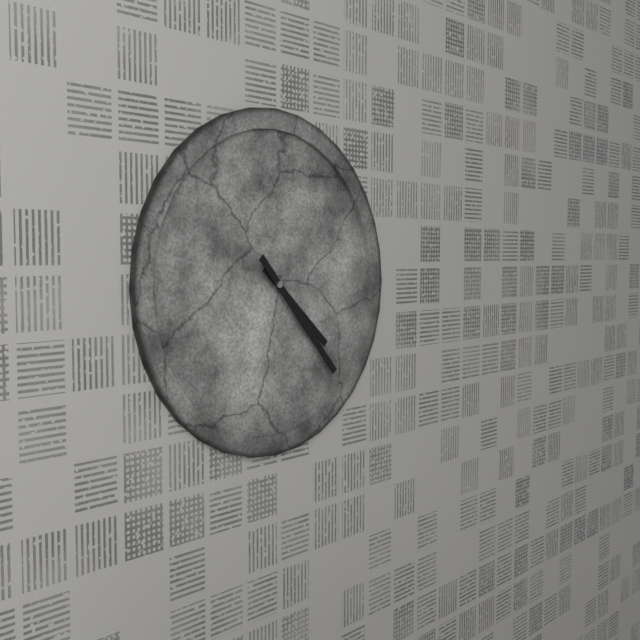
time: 4:23
